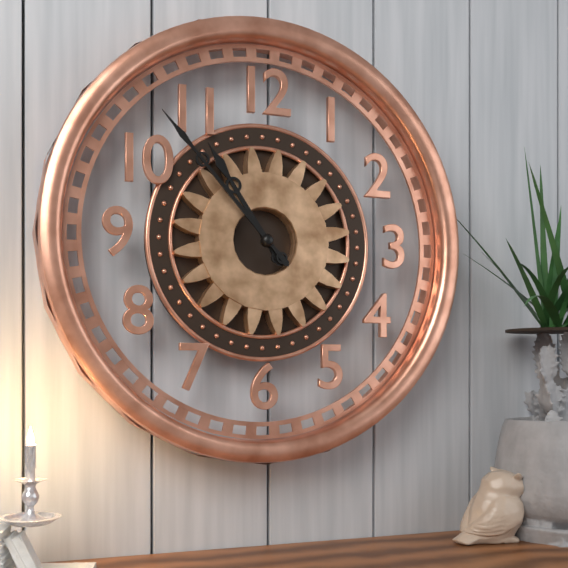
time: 10:53
